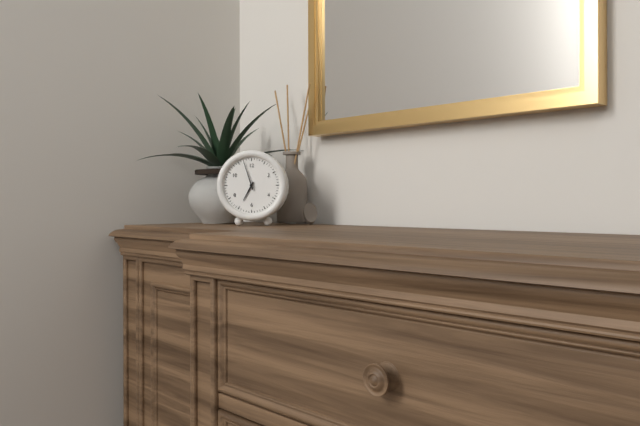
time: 6:57
